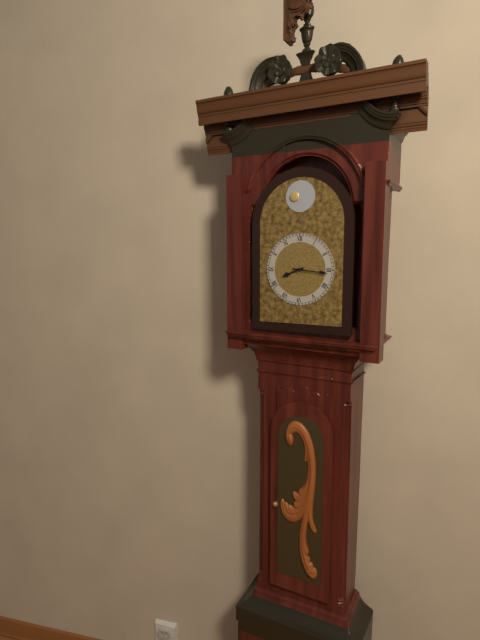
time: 8:16
